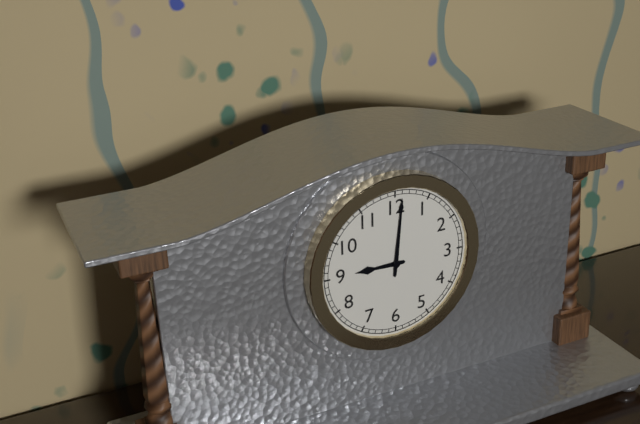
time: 9:01
